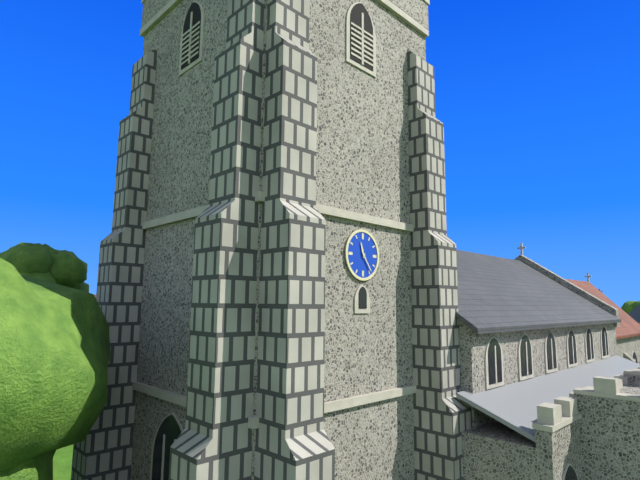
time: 11:24
